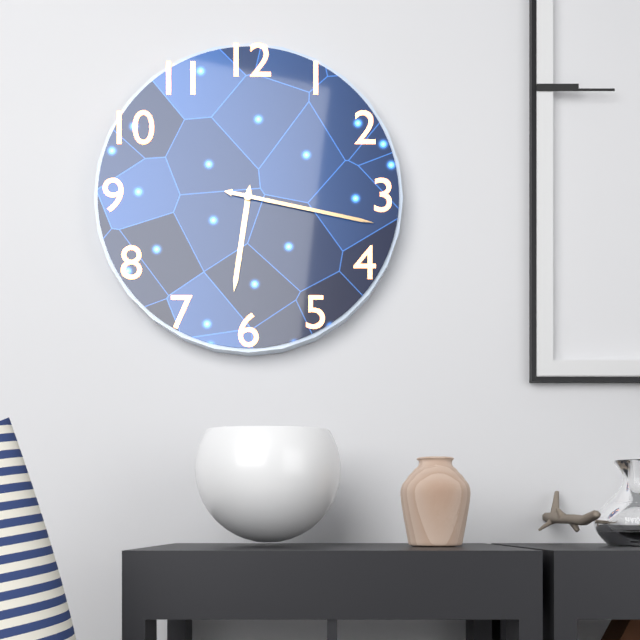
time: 6:17
